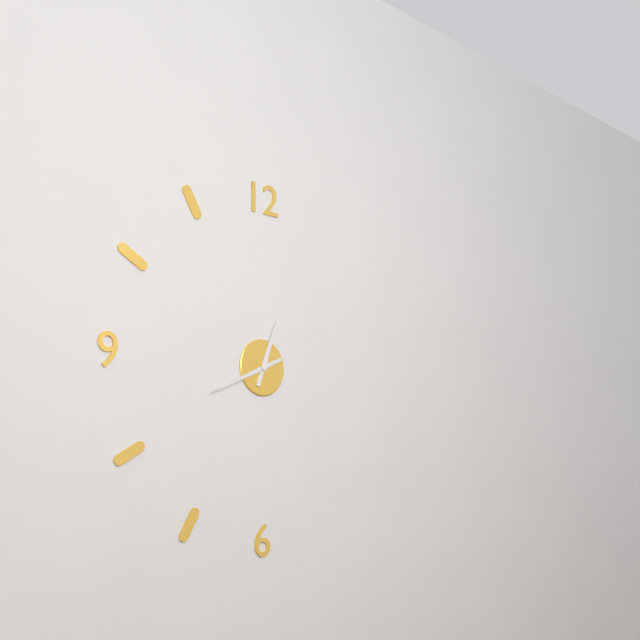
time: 12:41
